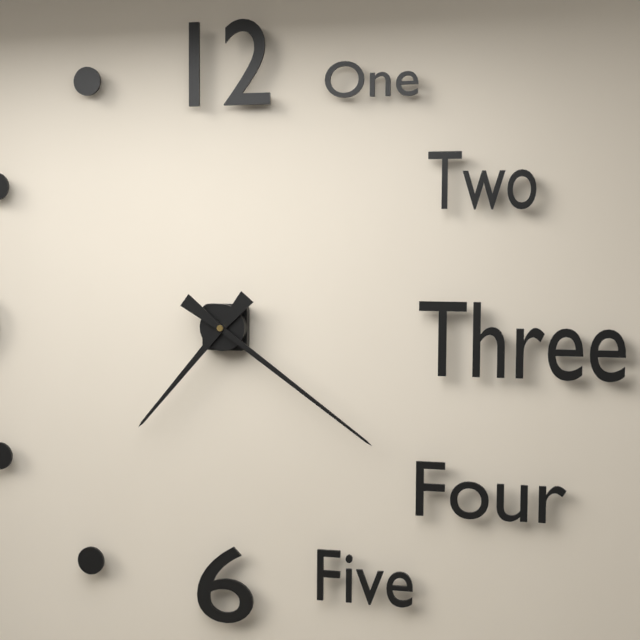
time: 7:21
